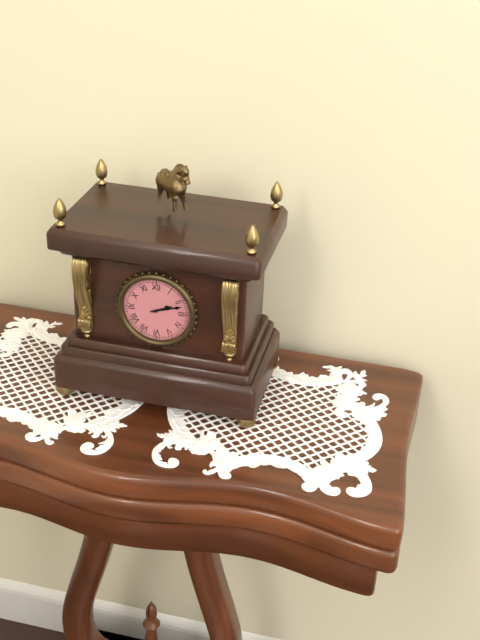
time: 2:12
